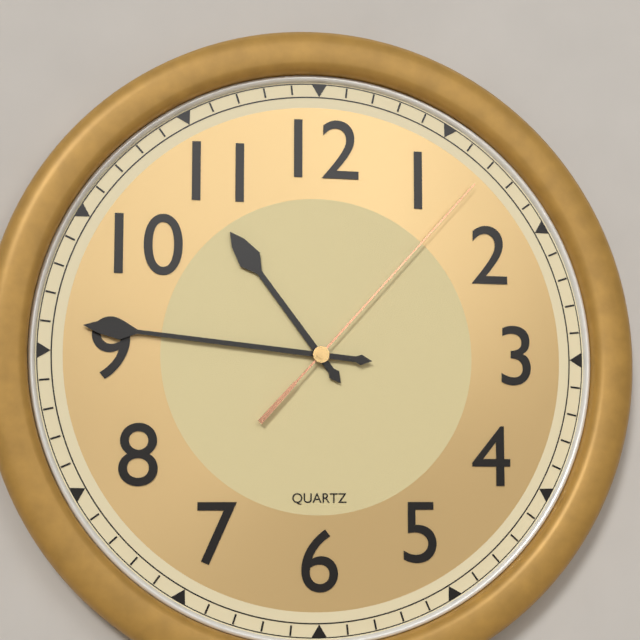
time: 10:46:07
